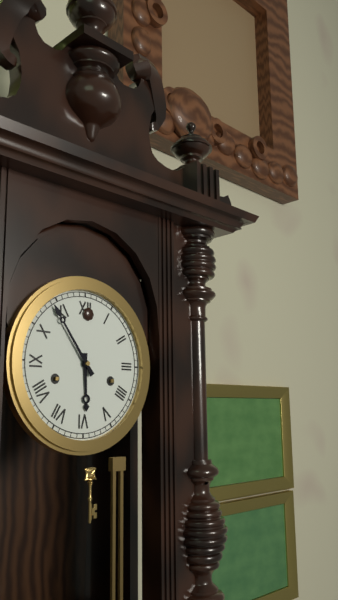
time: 5:54
